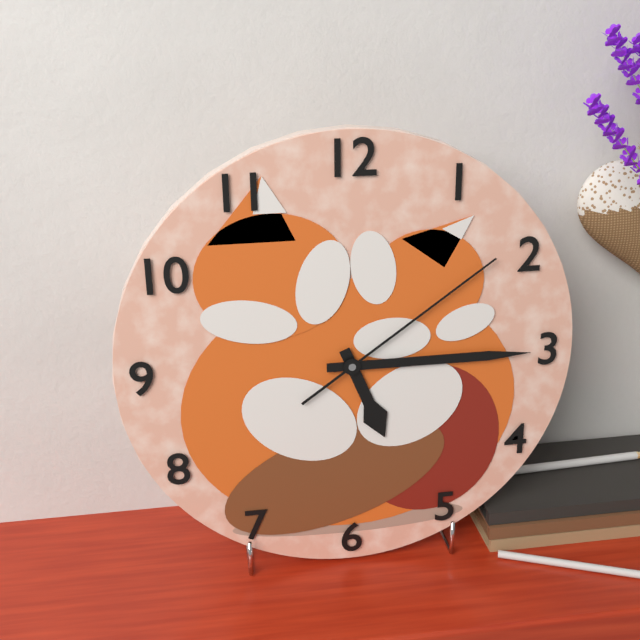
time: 5:15:09
